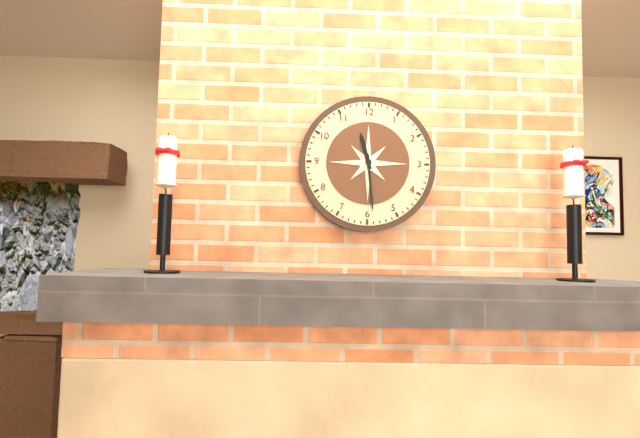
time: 11:29
